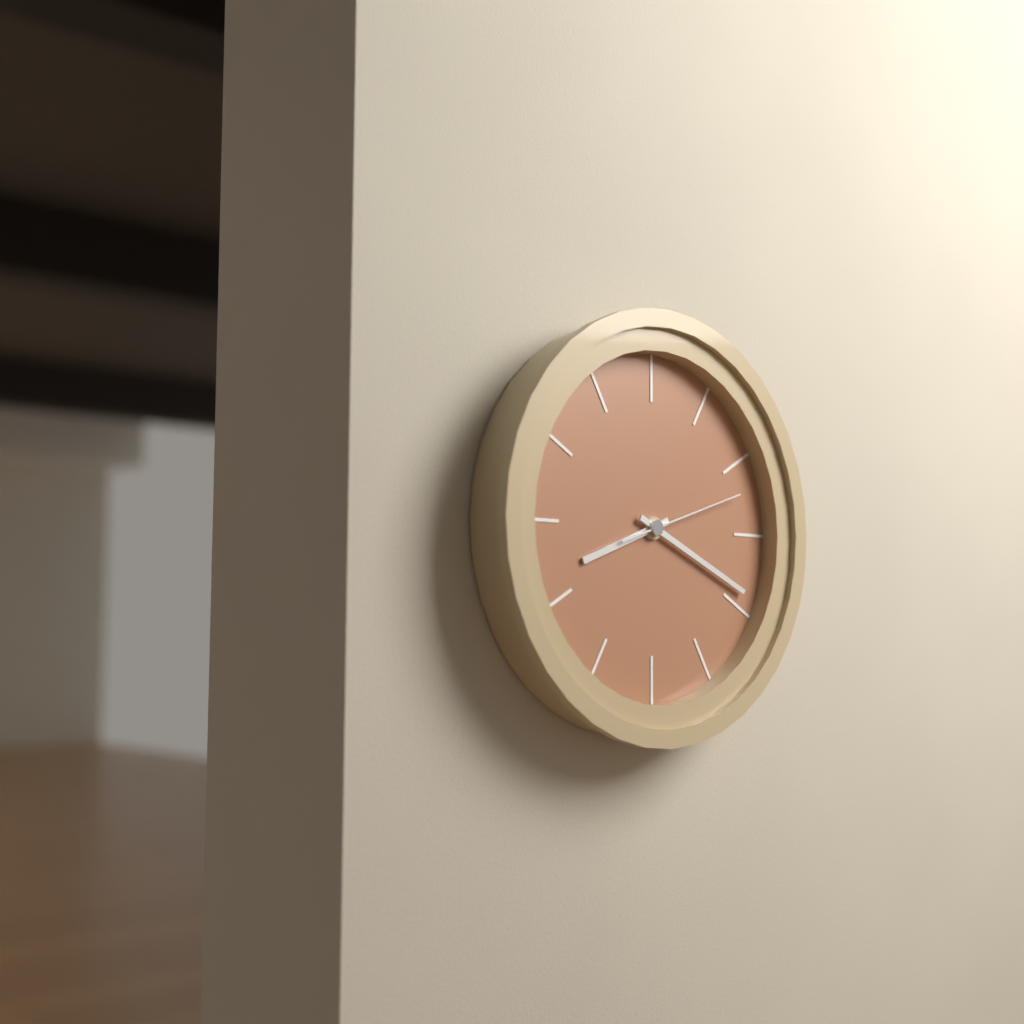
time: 8:19:12
